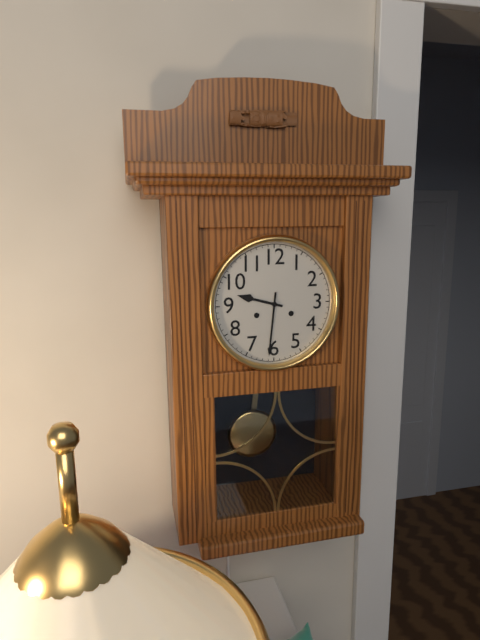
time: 9:31
